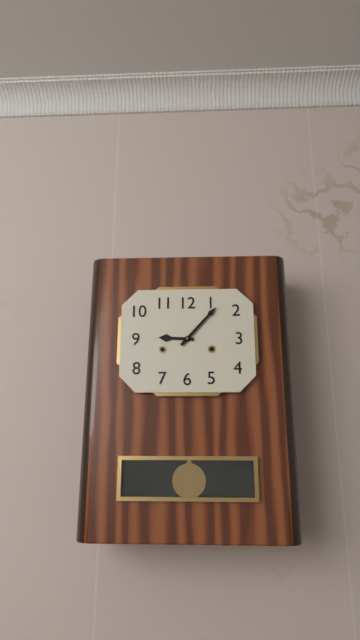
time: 9:07
